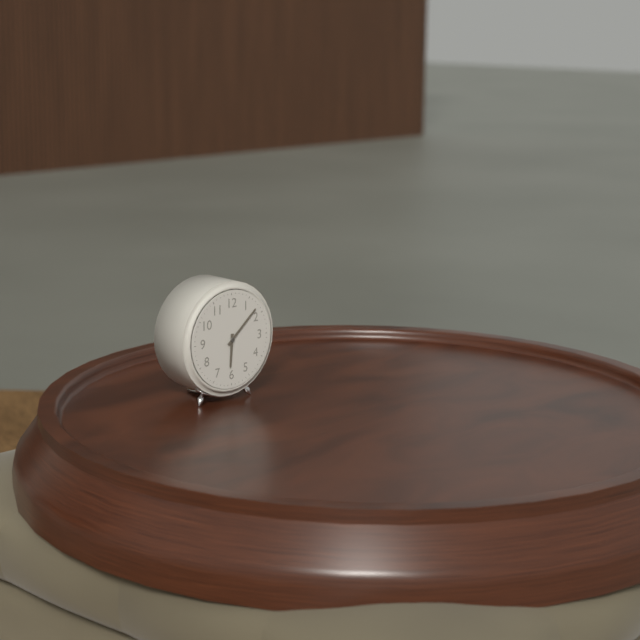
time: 6:08
